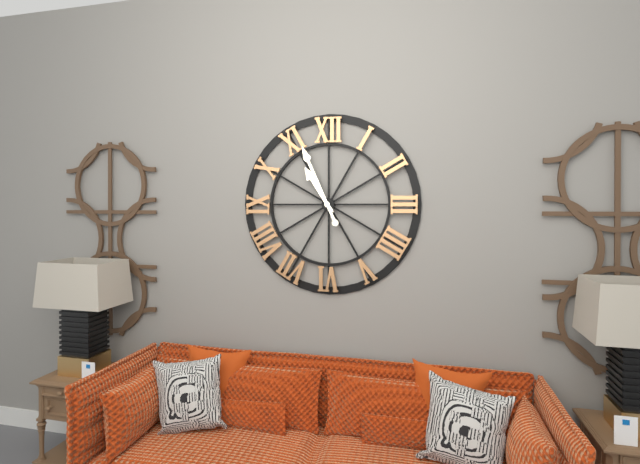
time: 10:56
